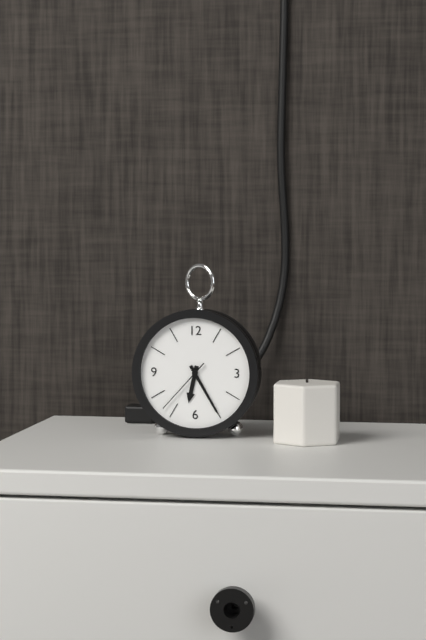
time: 6:25:37
